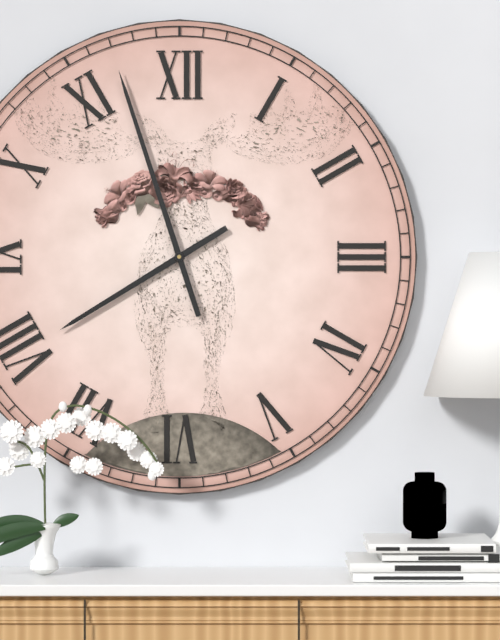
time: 7:57
